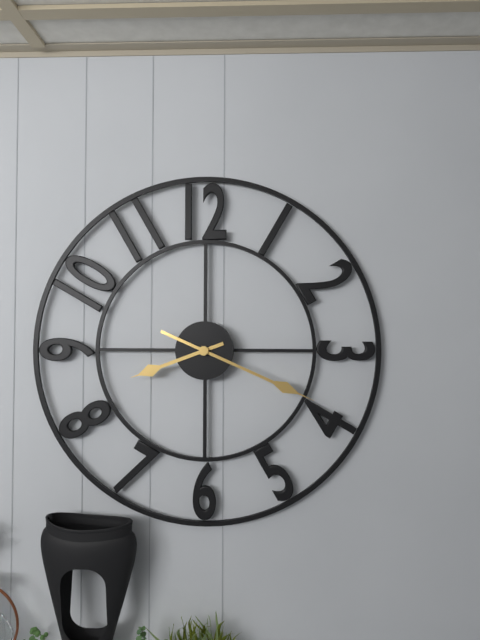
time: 8:19
